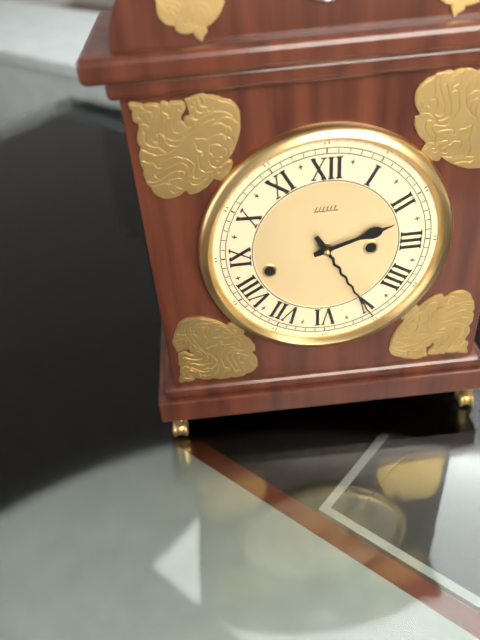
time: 2:25
